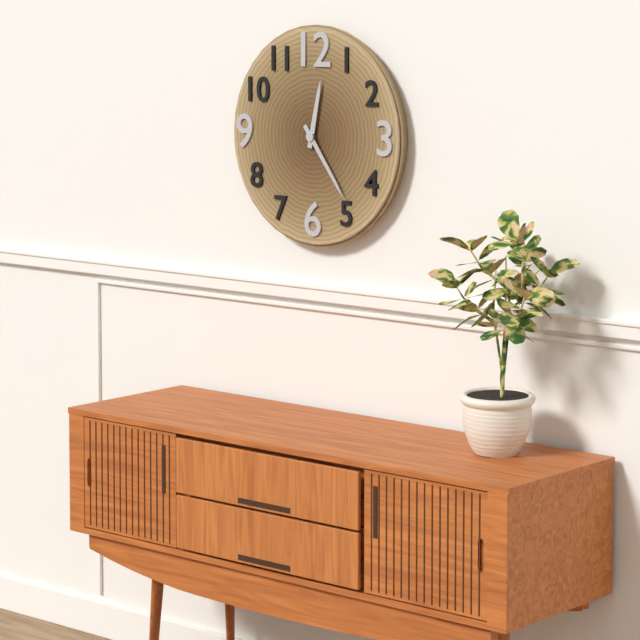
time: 12:24
